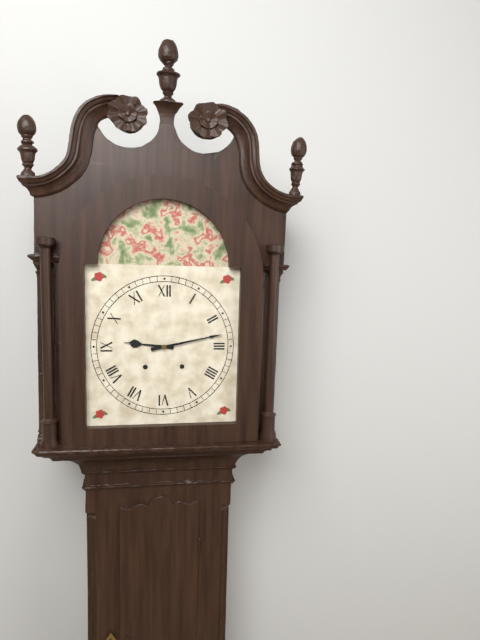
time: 9:13
